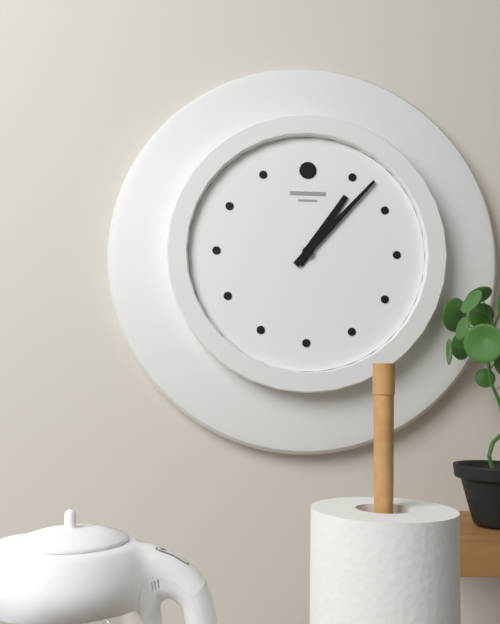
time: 1:07
